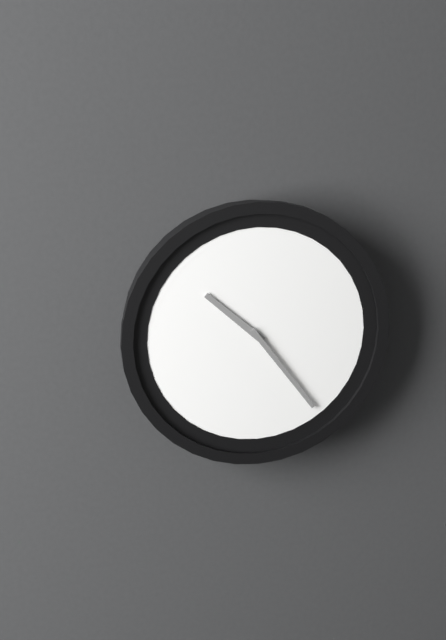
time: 10:24
